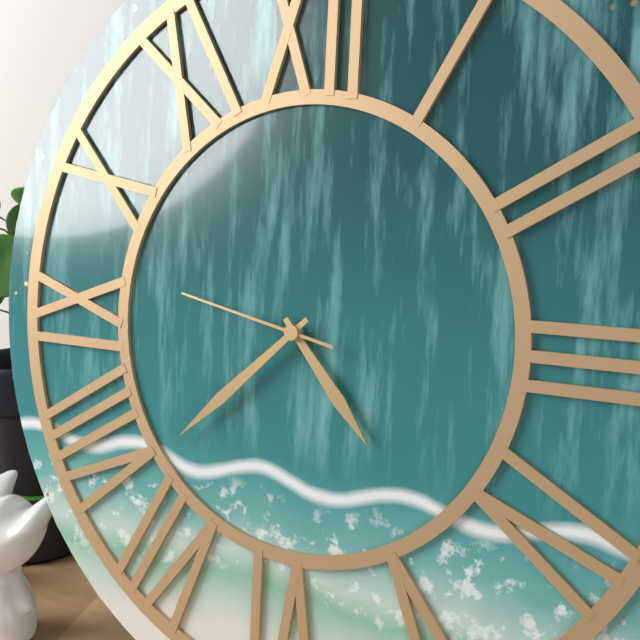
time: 4:38:47
